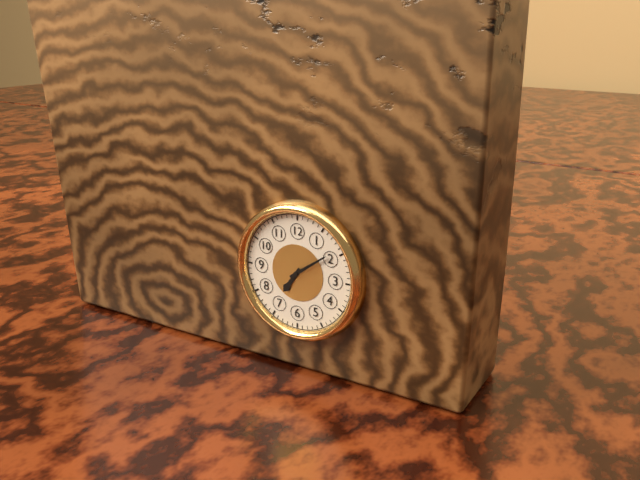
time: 7:09
